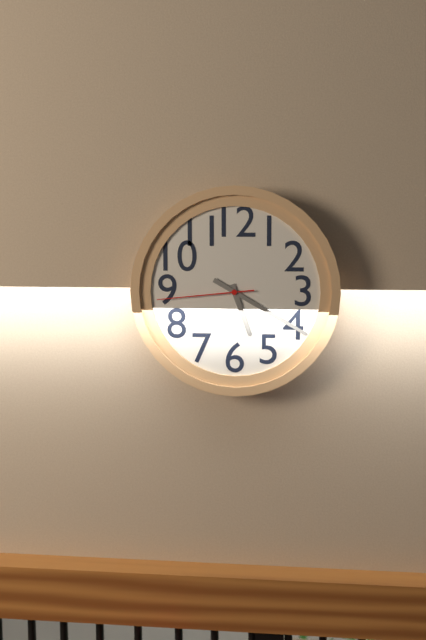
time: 5:20:44
